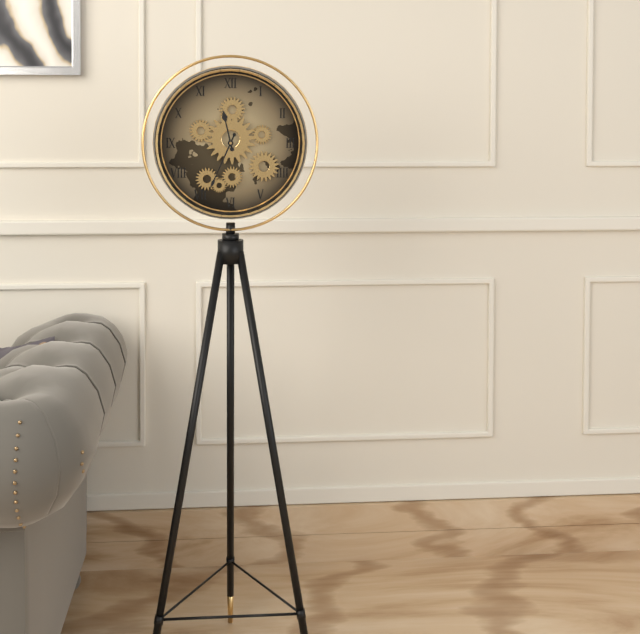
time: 11:34
